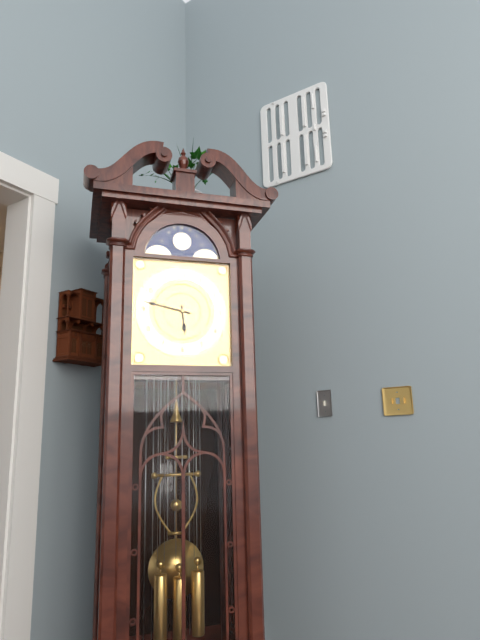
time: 5:47
